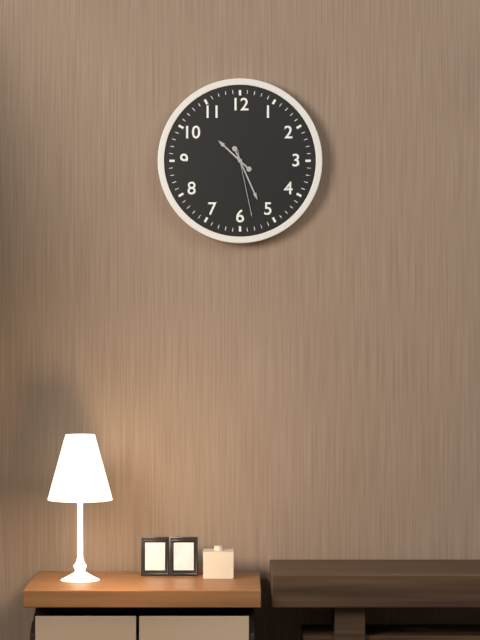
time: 10:26:28
